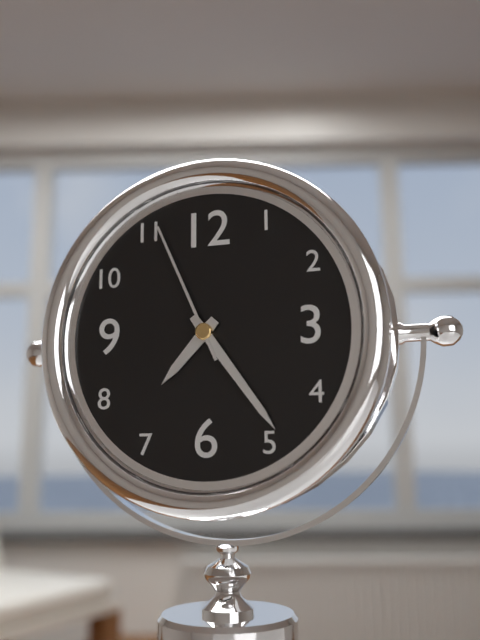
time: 7:24:56
